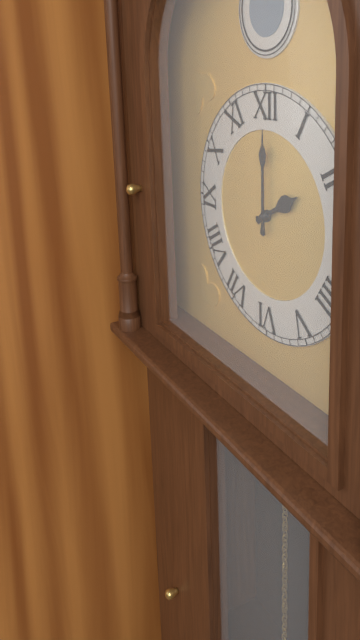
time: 2:00
